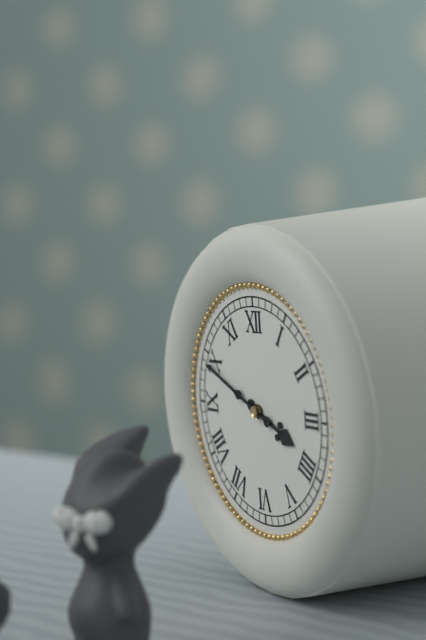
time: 3:49
